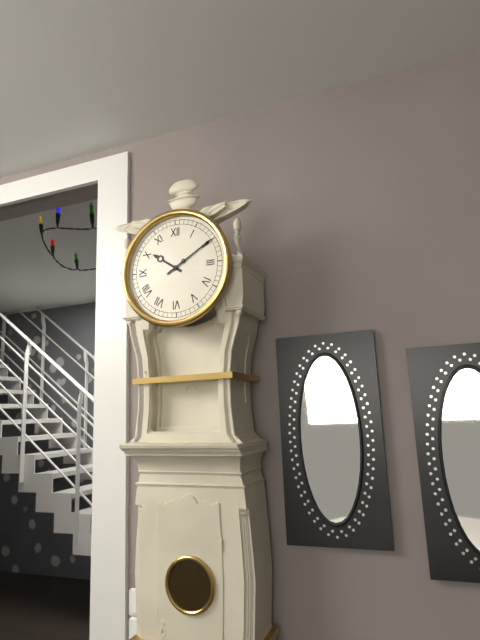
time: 10:10
